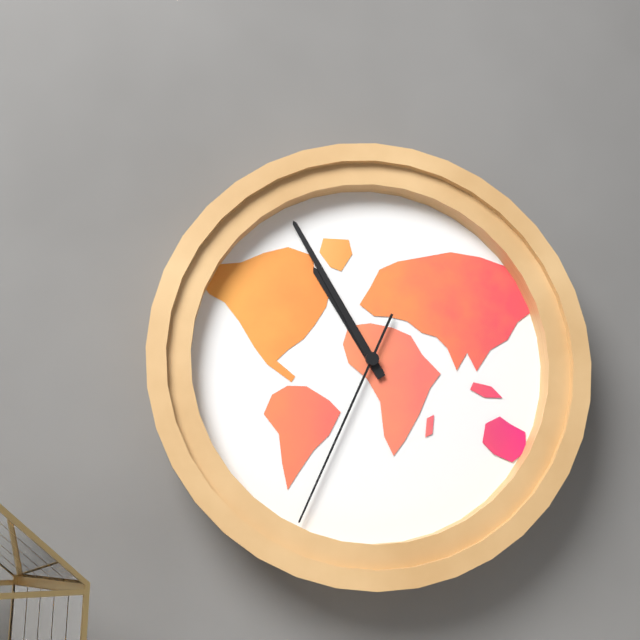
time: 10:55:34
